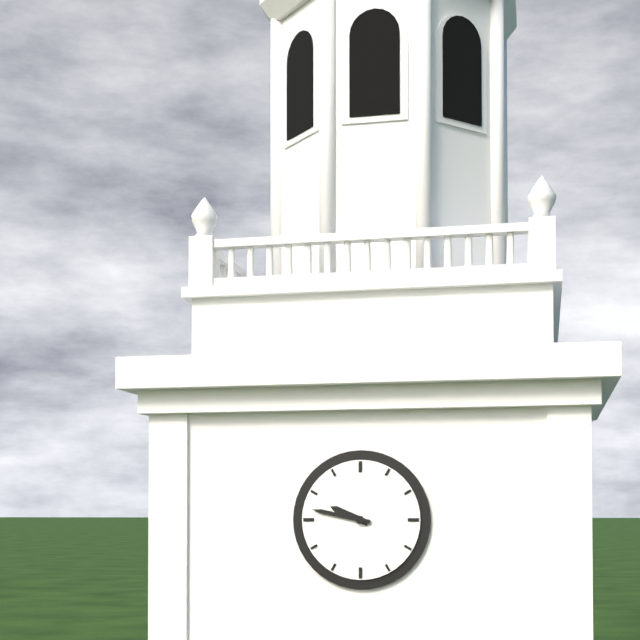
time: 9:47
